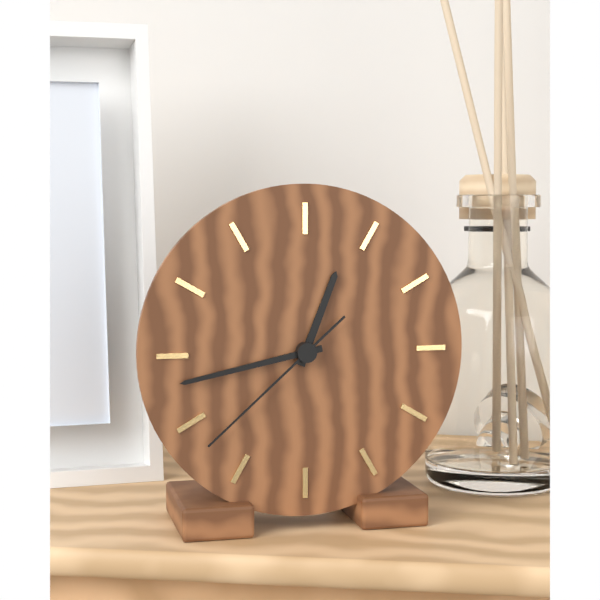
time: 12:43:38
